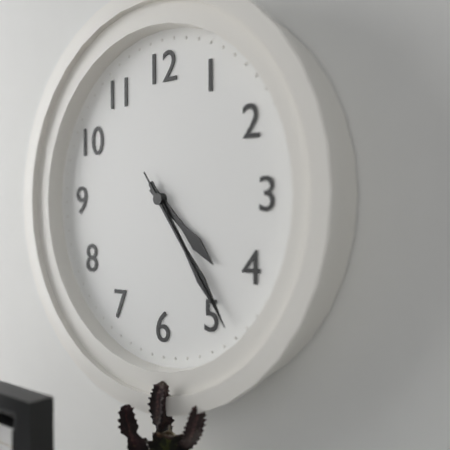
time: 4:24:24
